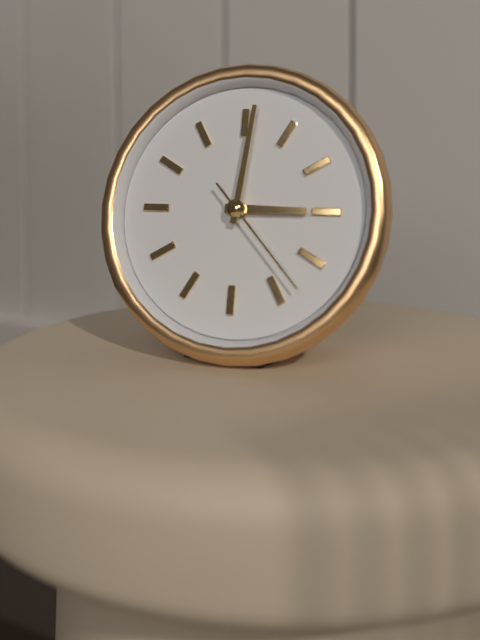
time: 3:01:23
